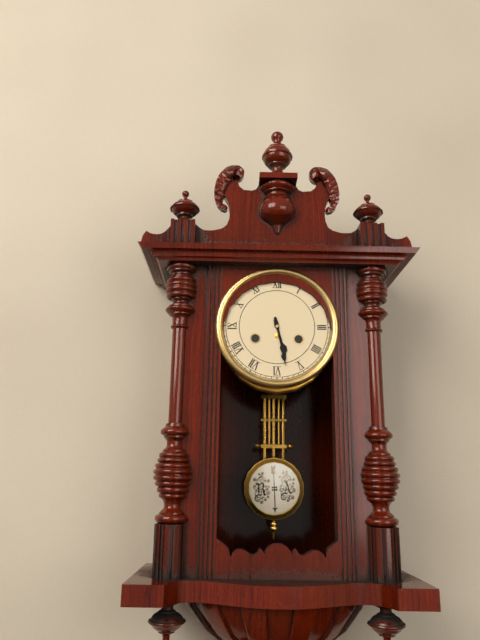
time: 5:28
